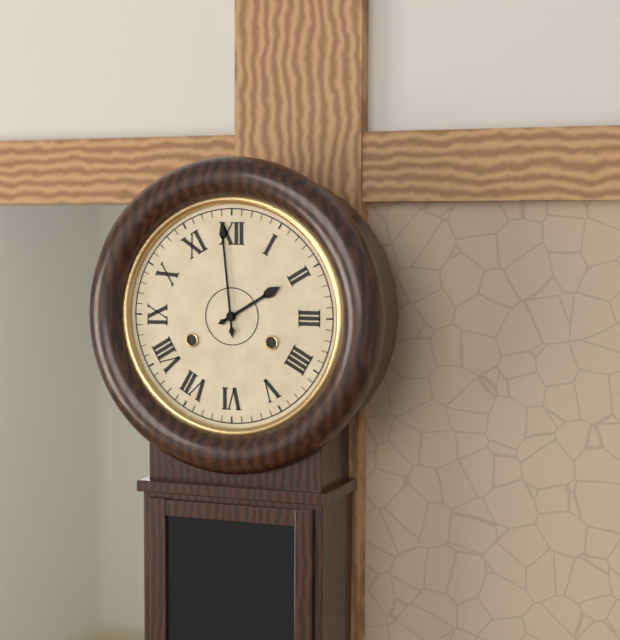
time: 1:59
